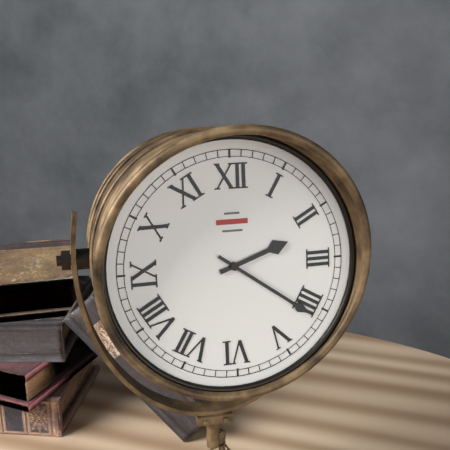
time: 2:21
